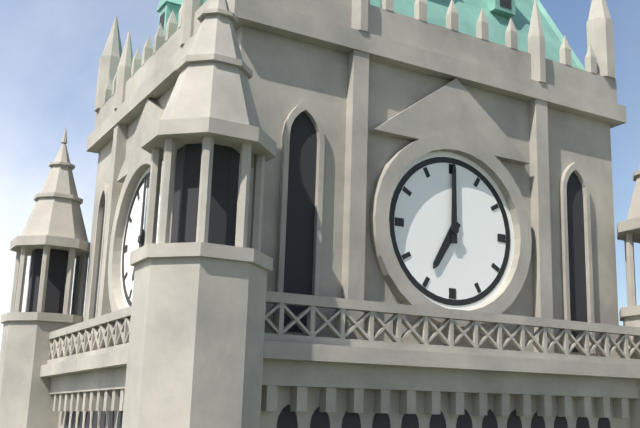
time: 7:00
